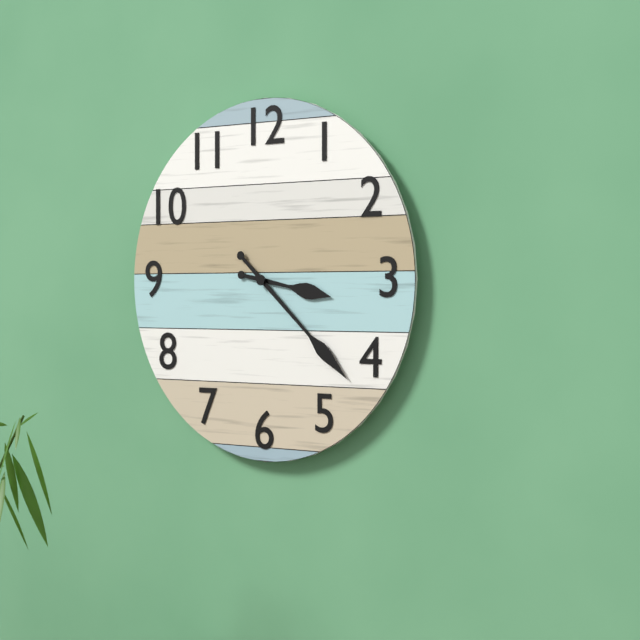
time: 3:22
